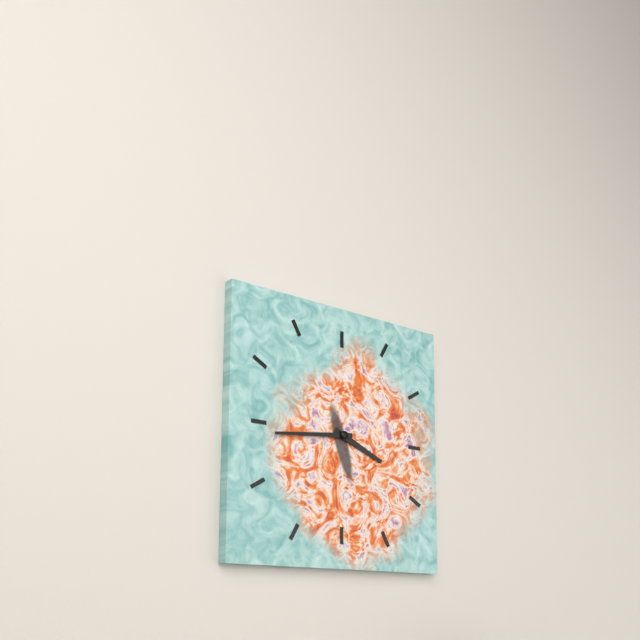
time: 3:44
